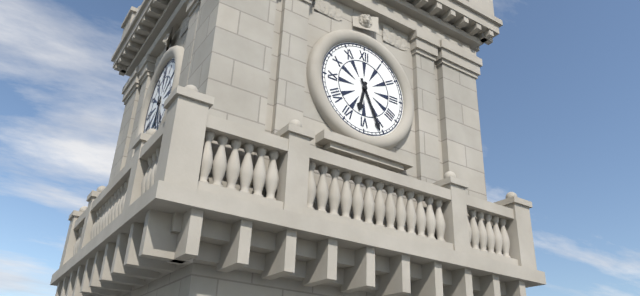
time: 6:26
